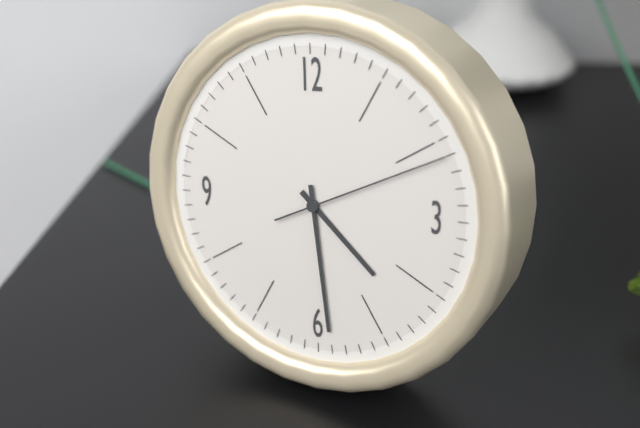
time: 4:29:11
